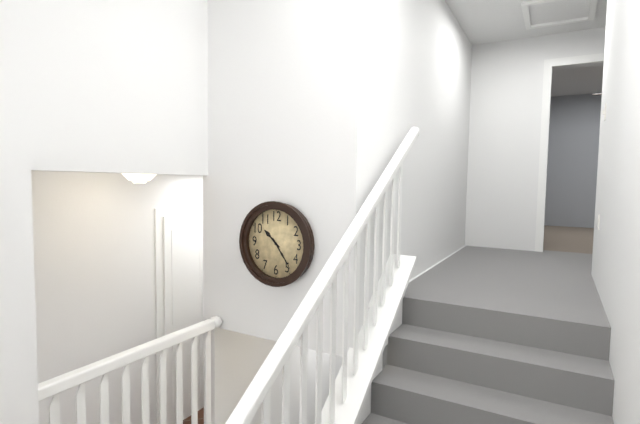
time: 10:24
